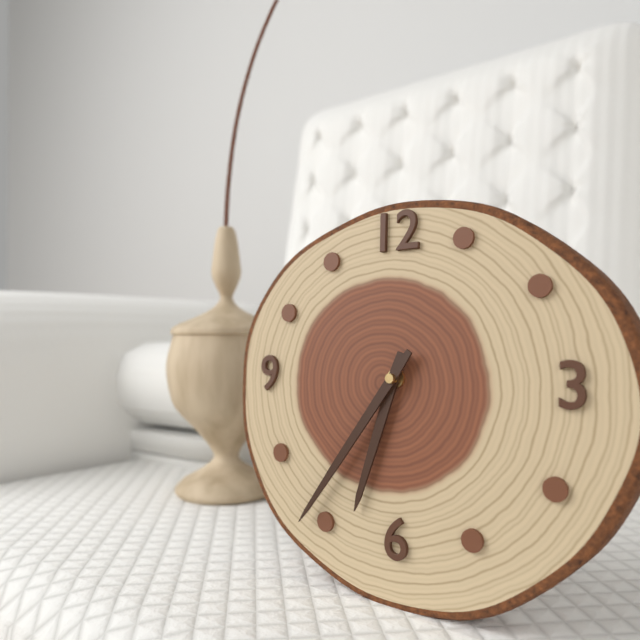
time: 6:36
